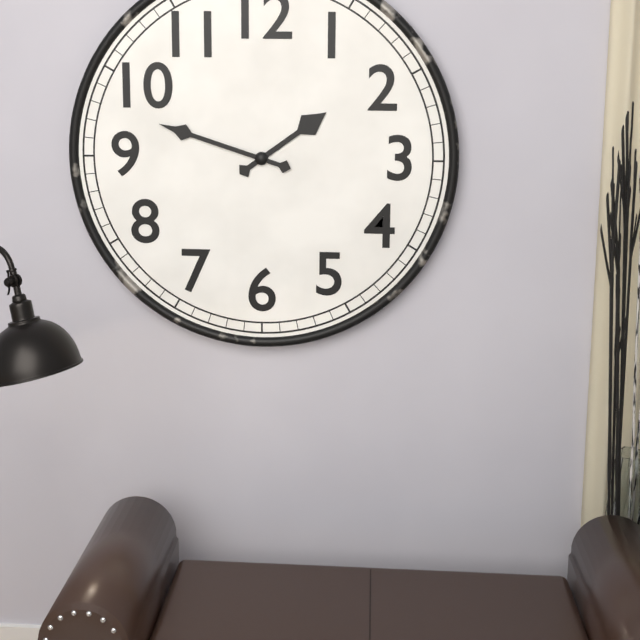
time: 1:48
